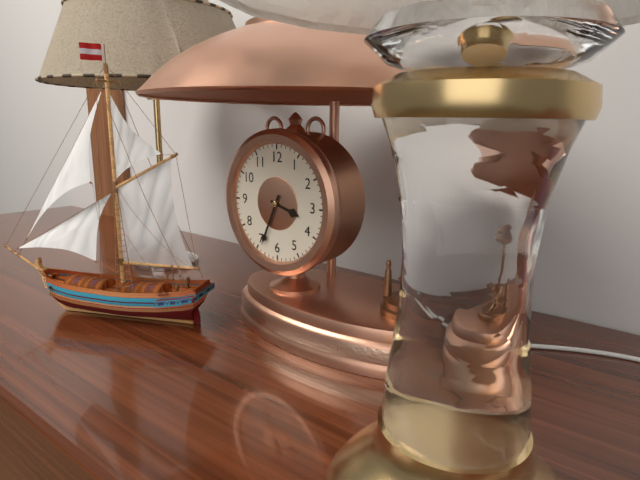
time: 3:34
